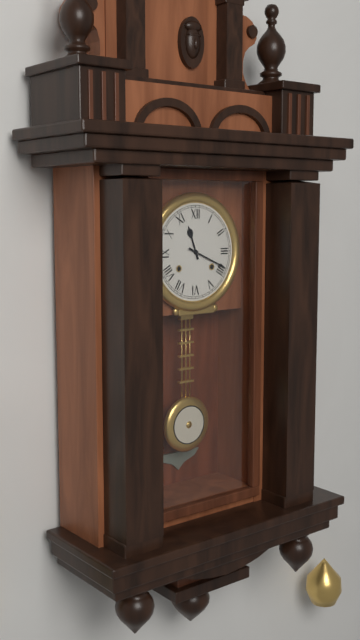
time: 11:19
